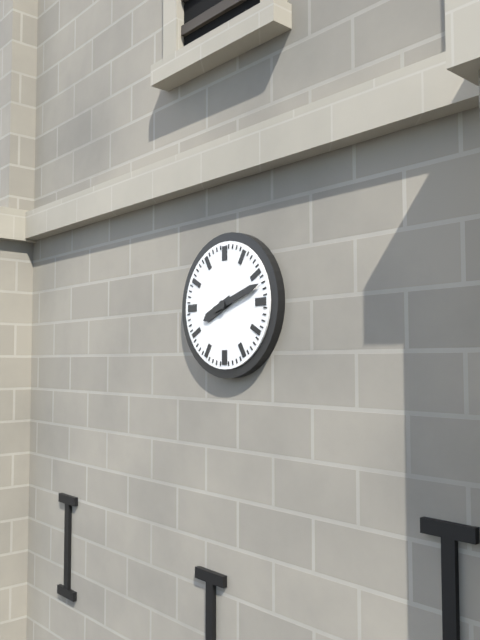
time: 8:12
